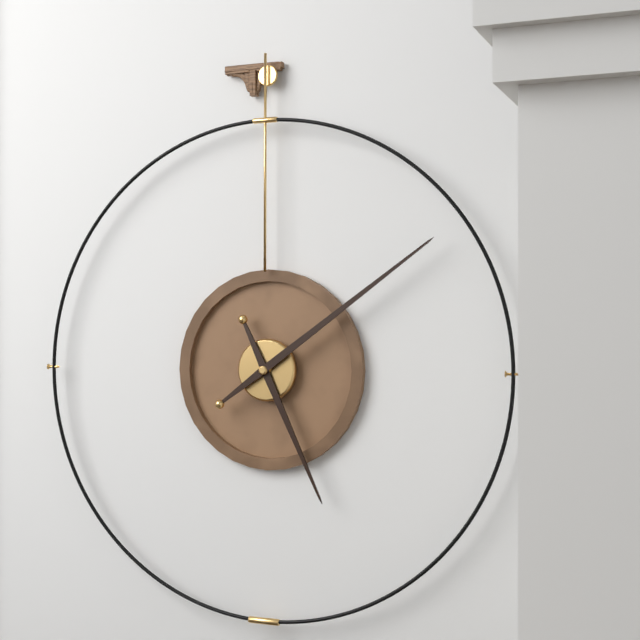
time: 5:09
